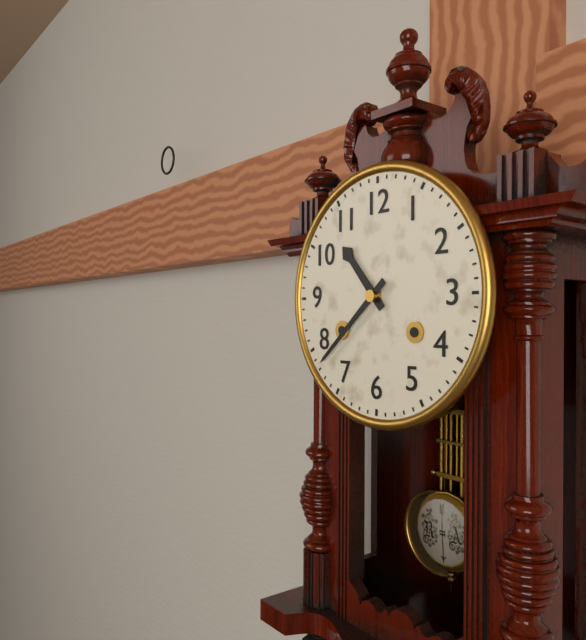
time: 10:38
